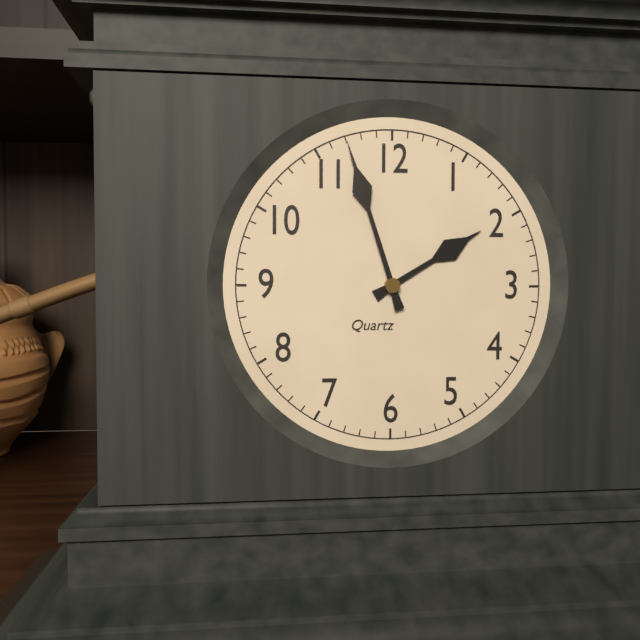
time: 1:57
